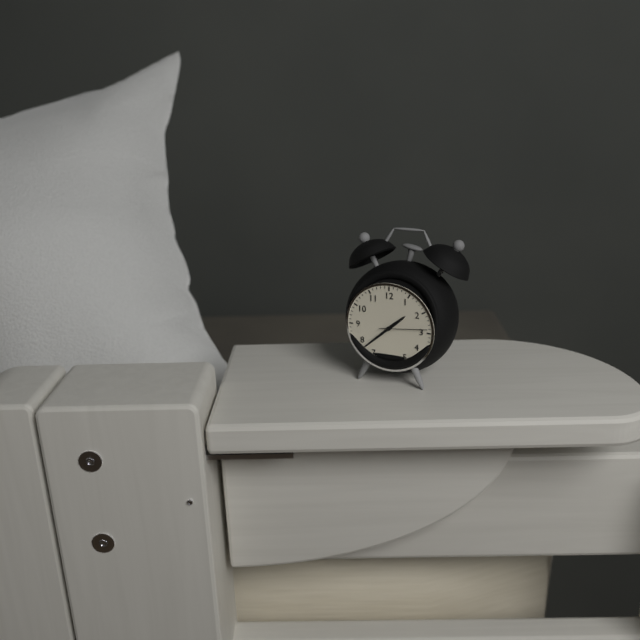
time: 1:38
